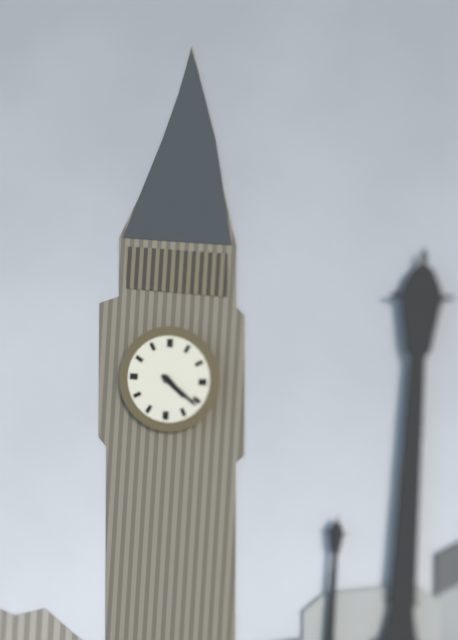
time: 4:21
